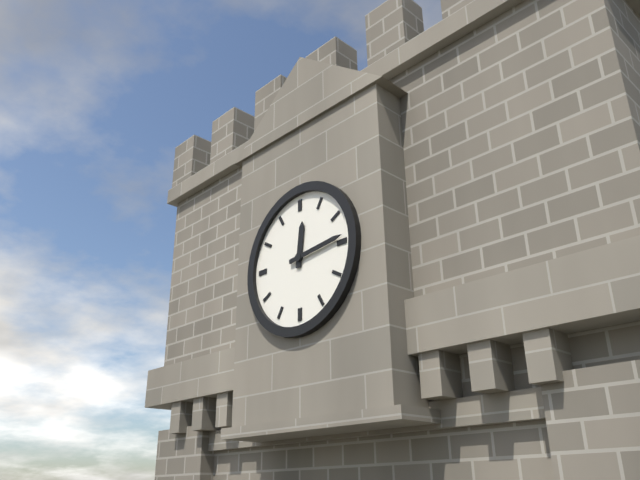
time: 12:14
